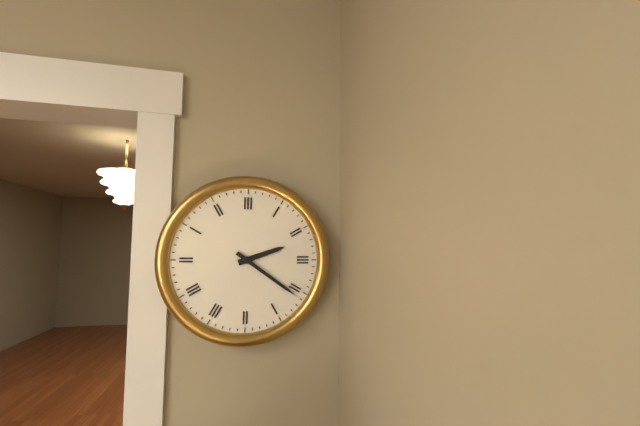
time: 2:21
